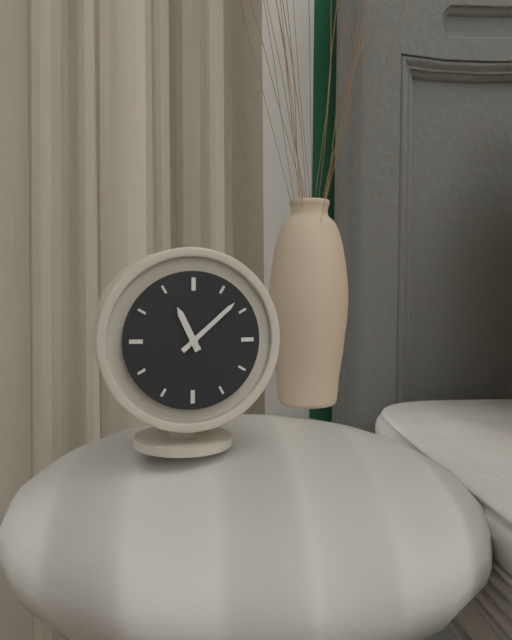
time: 11:08
